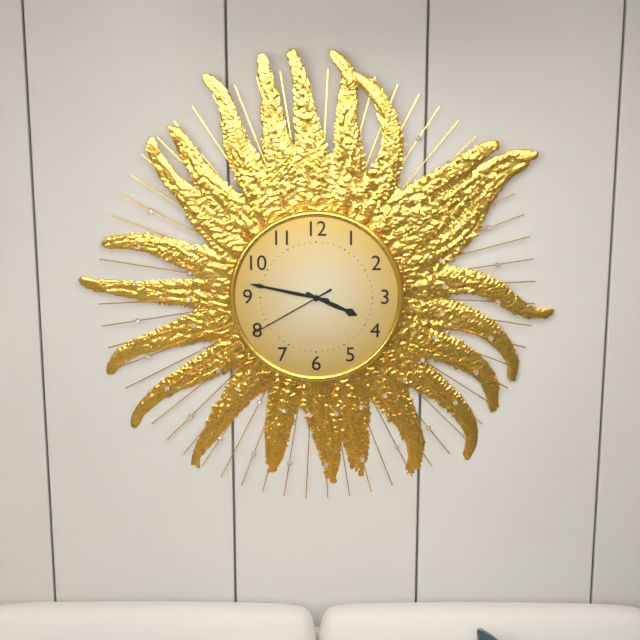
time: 3:47:40
